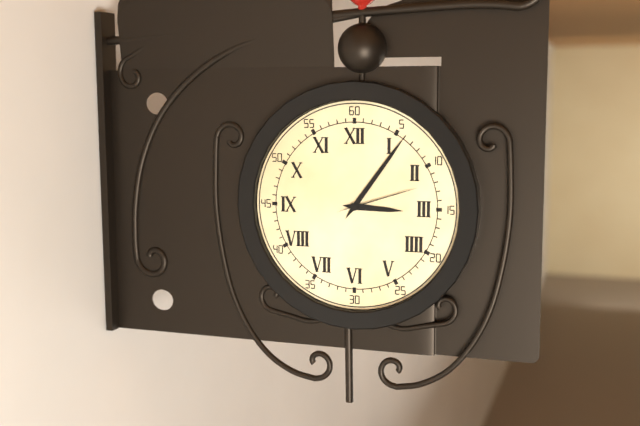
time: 3:06:12
